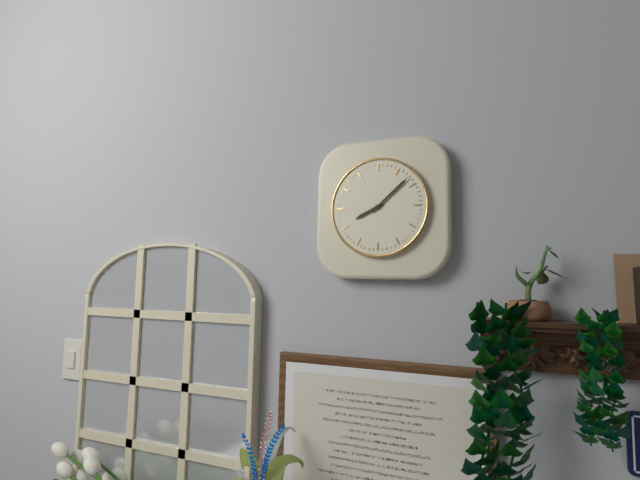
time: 8:08
